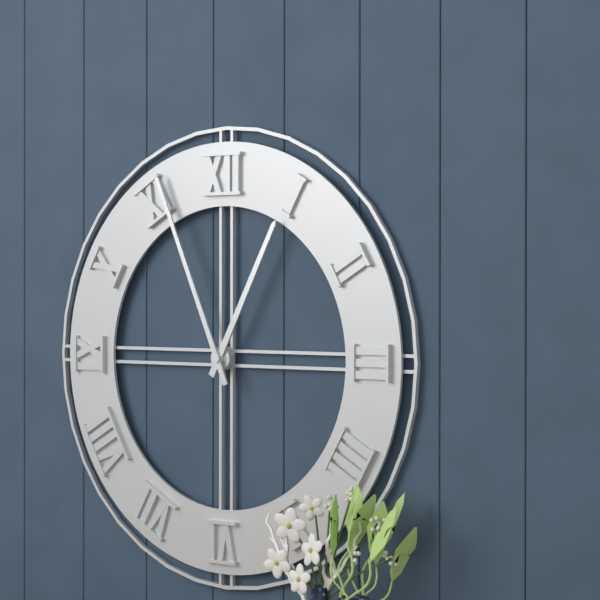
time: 12:56
